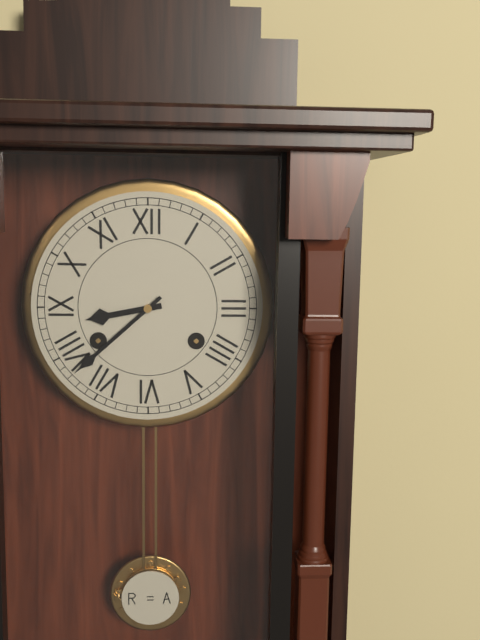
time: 8:38
